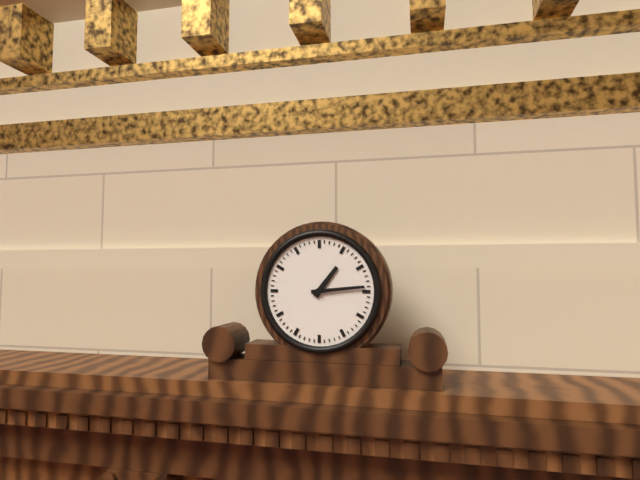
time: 1:14
